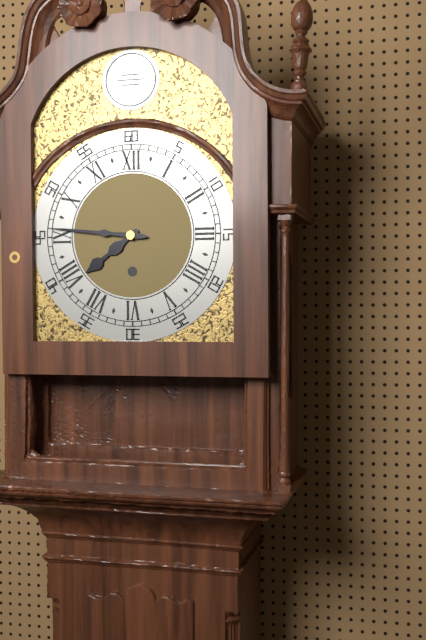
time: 7:46
